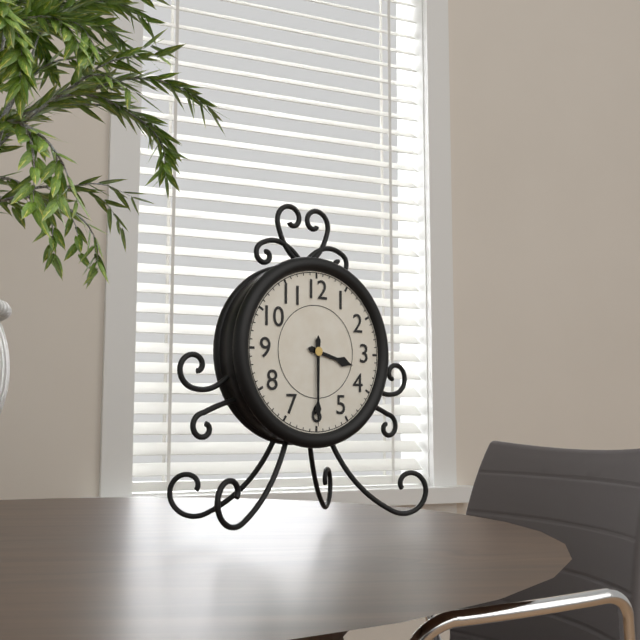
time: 3:30
